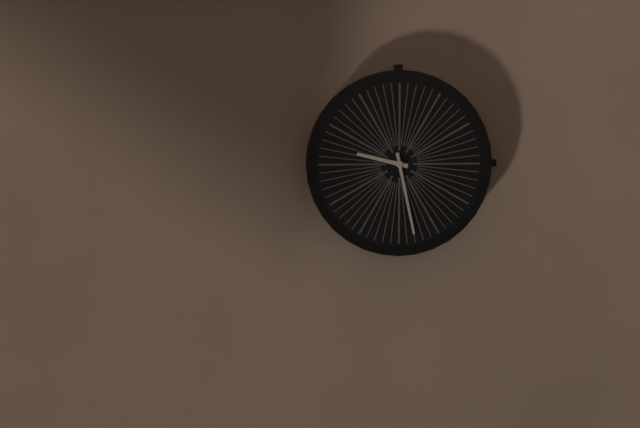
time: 9:28
